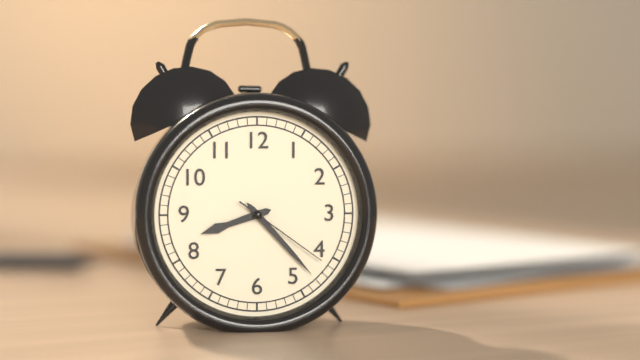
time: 8:23:21
